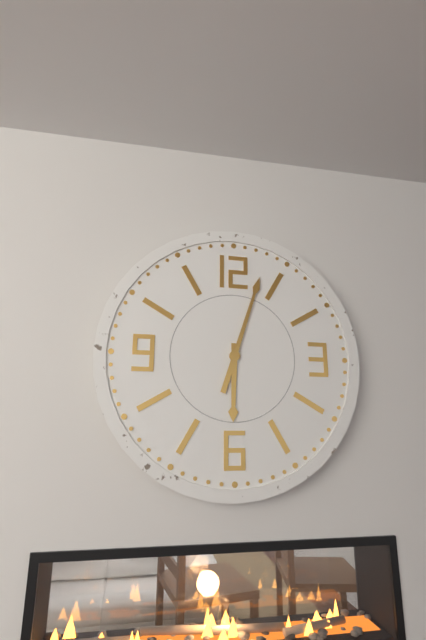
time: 6:03
